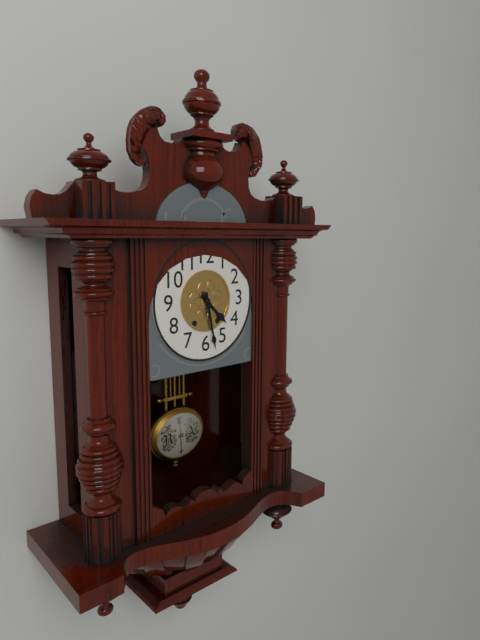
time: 4:28
